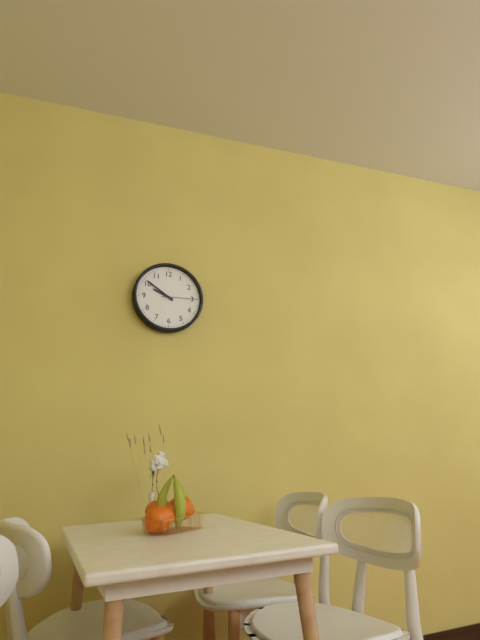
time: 9:51
